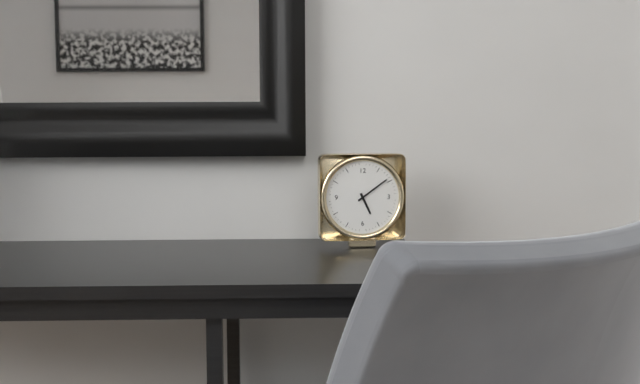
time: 5:09
